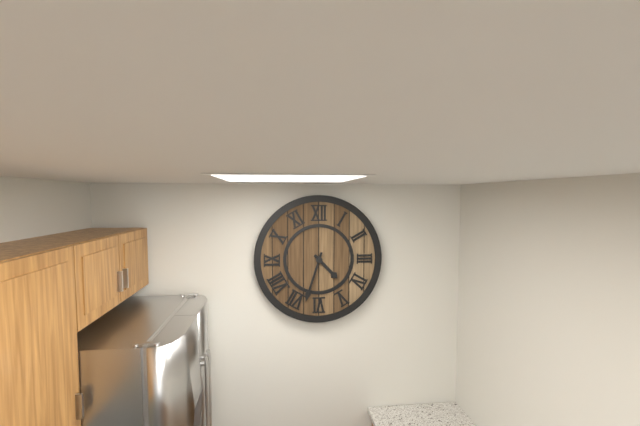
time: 4:33
